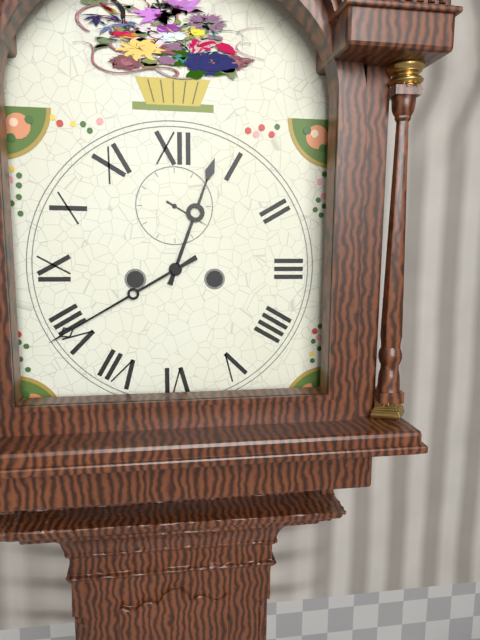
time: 12:40
